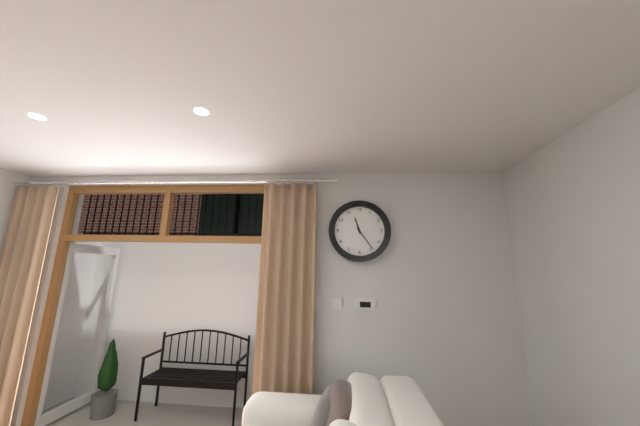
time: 11:24
